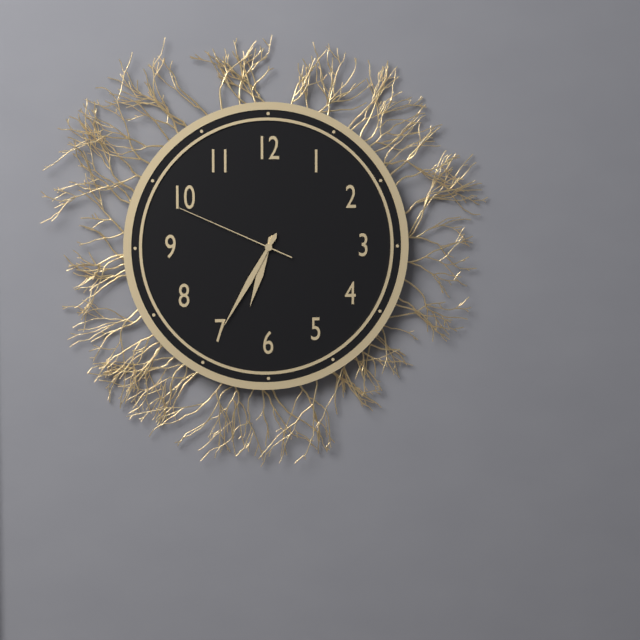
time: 6:35:49
